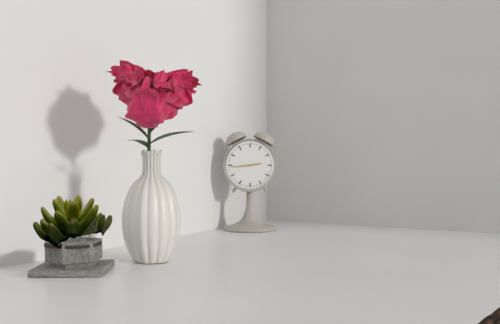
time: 2:44
